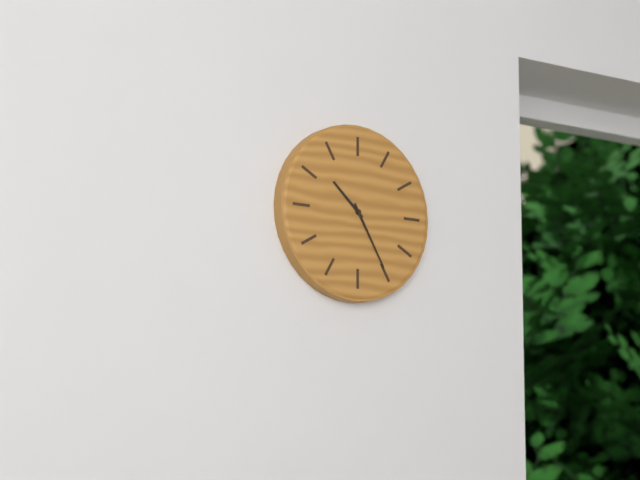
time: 10:25
